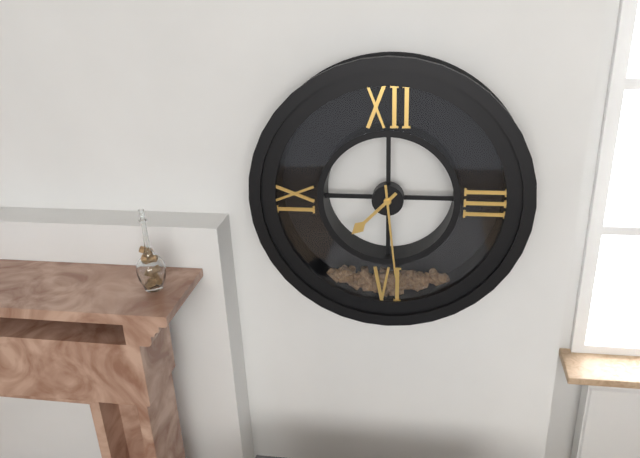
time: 7:29
